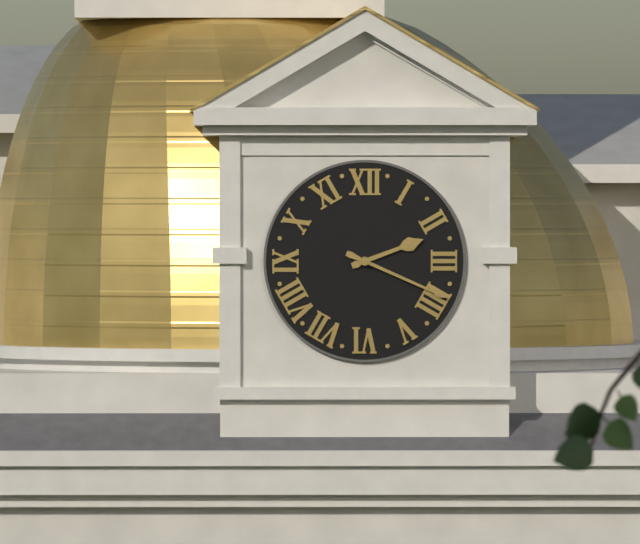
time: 2:19
